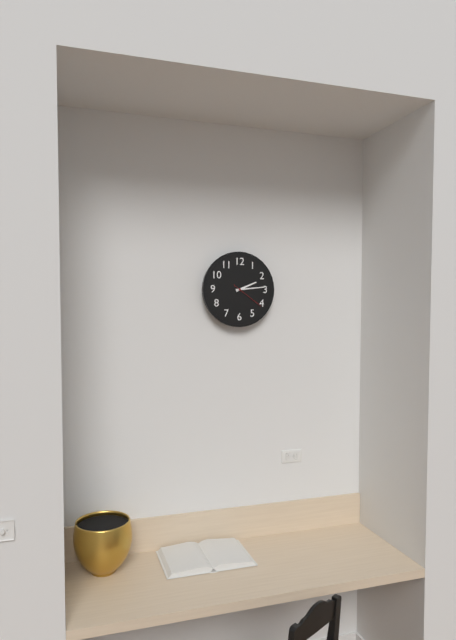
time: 2:14
